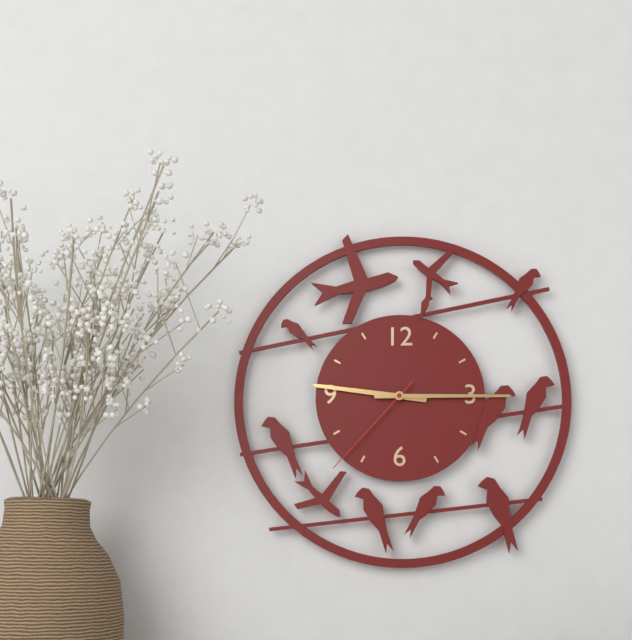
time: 9:15:37
